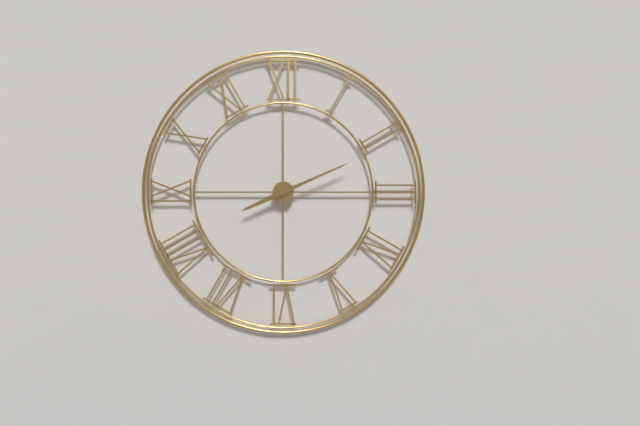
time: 8:11
